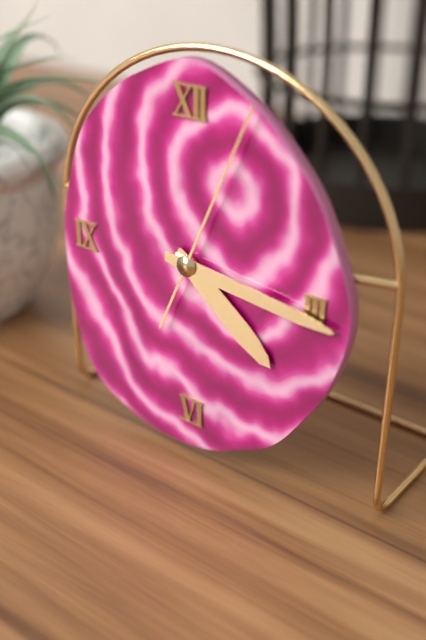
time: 4:16:04
